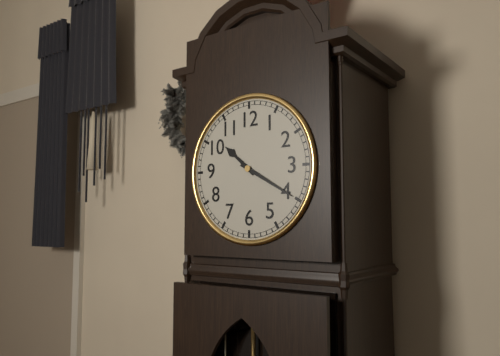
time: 10:20
